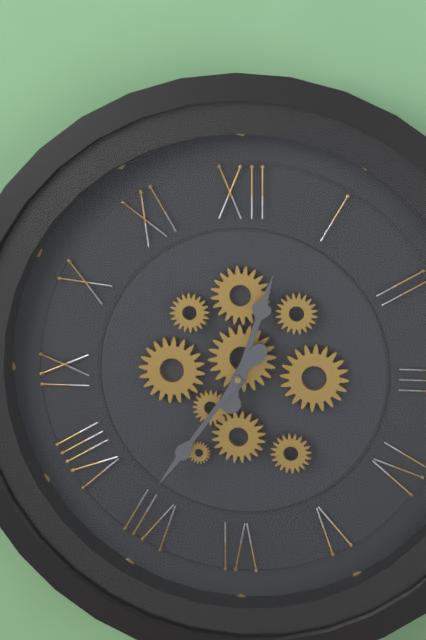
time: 12:36
